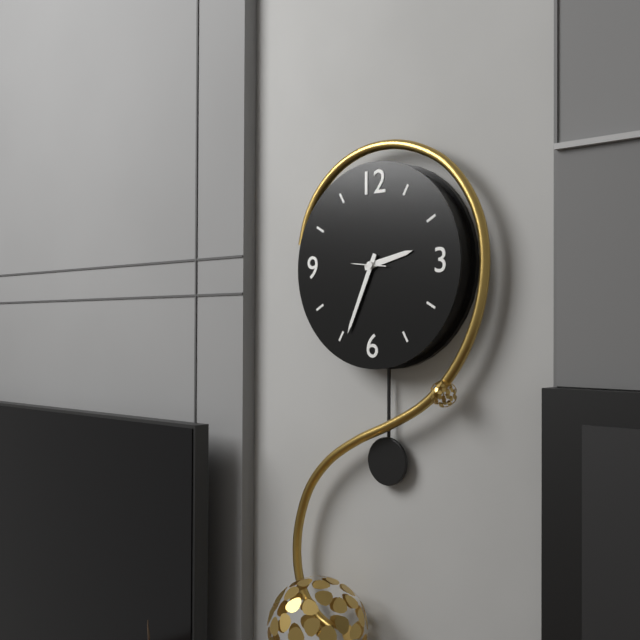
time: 2:34
